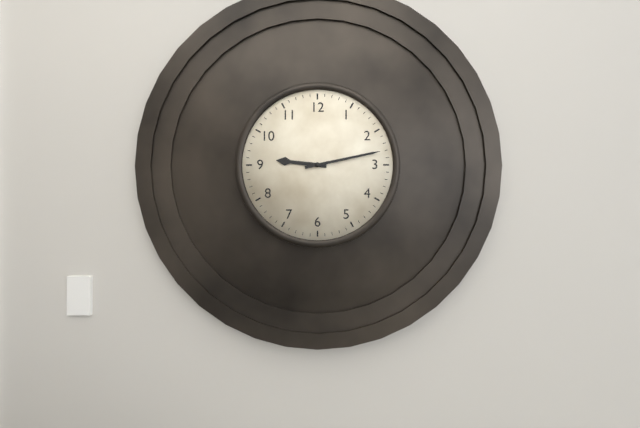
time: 9:13
